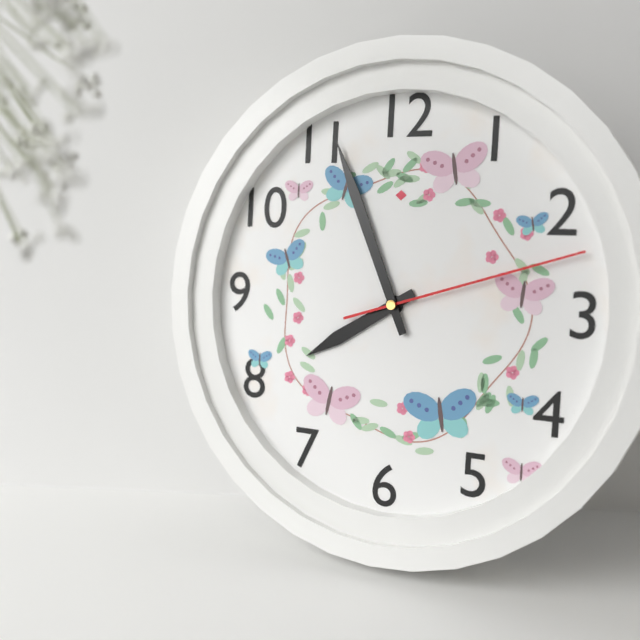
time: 7:56:12
